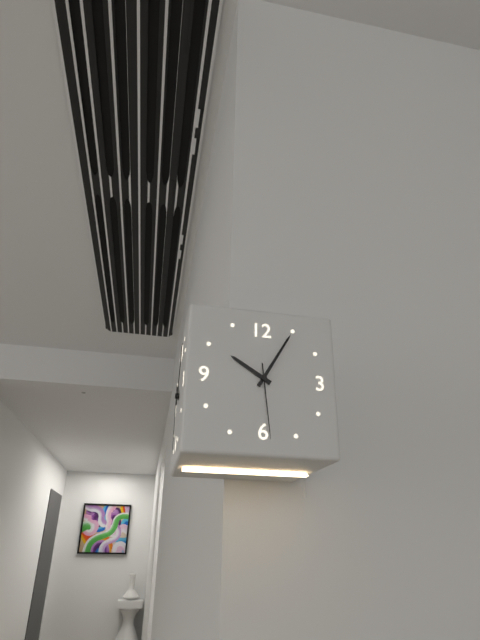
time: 10:05:29
